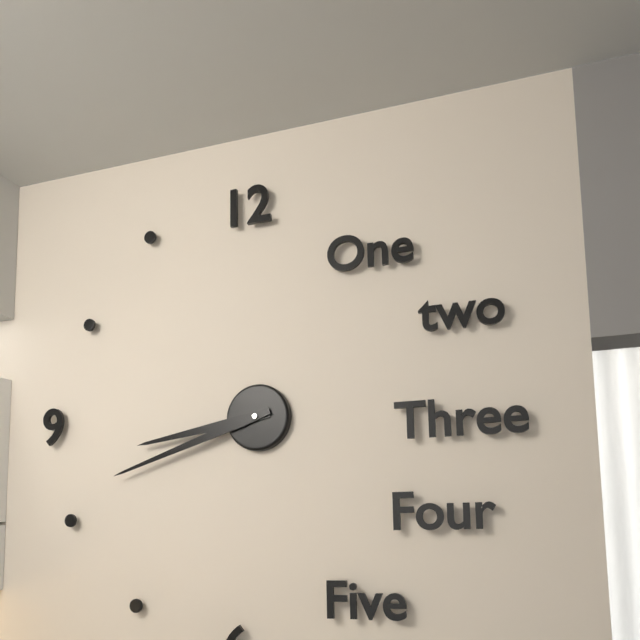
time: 8:42
